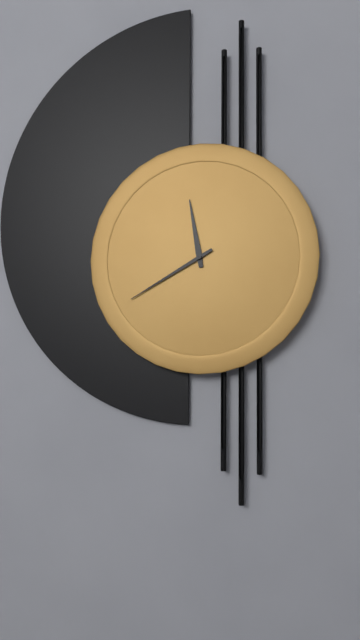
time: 11:40
